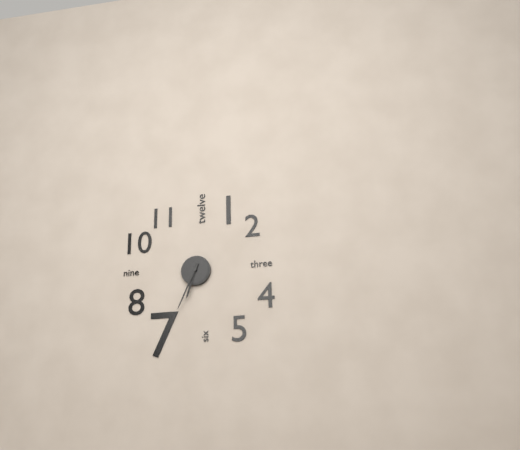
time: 6:34
